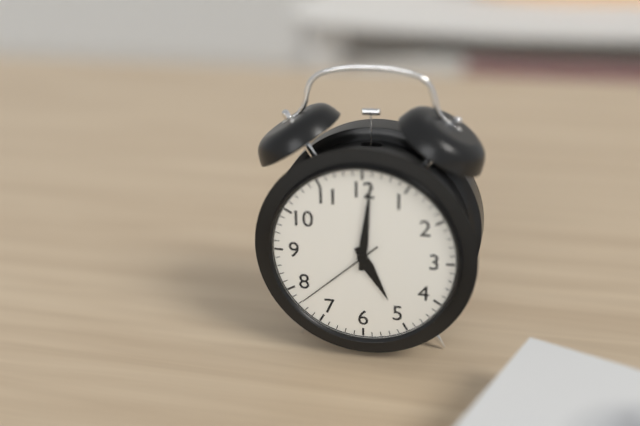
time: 5:01:38
